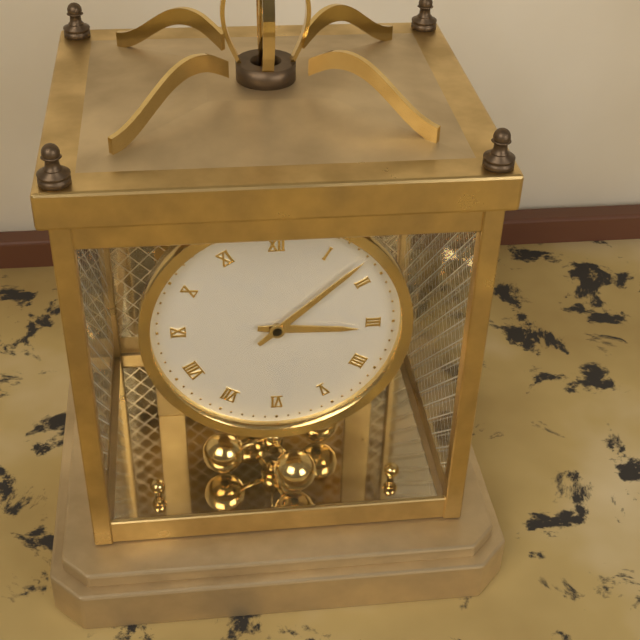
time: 3:08
